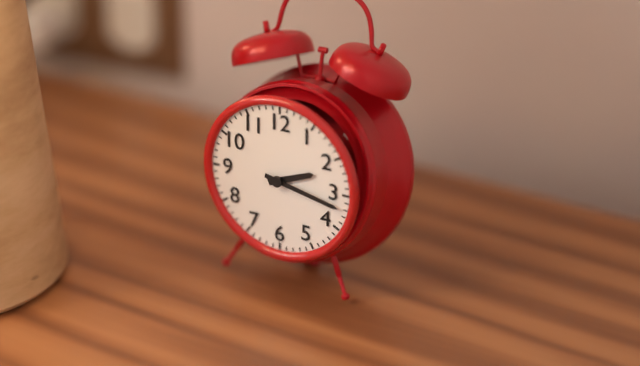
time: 2:17
